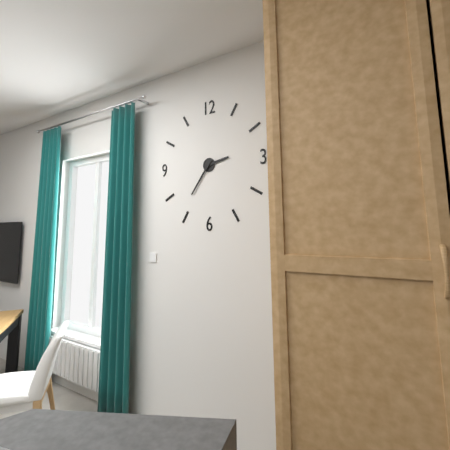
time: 2:36
